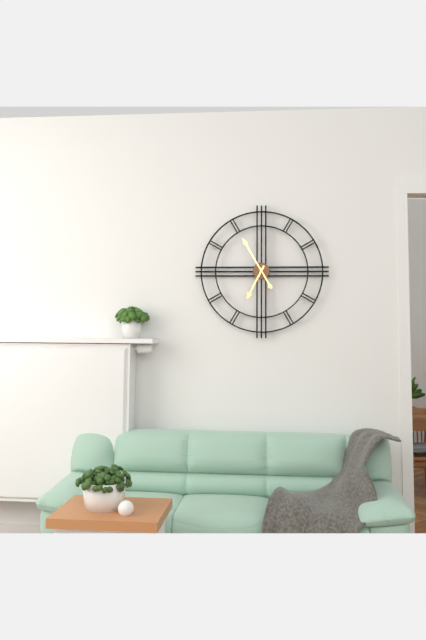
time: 6:55
